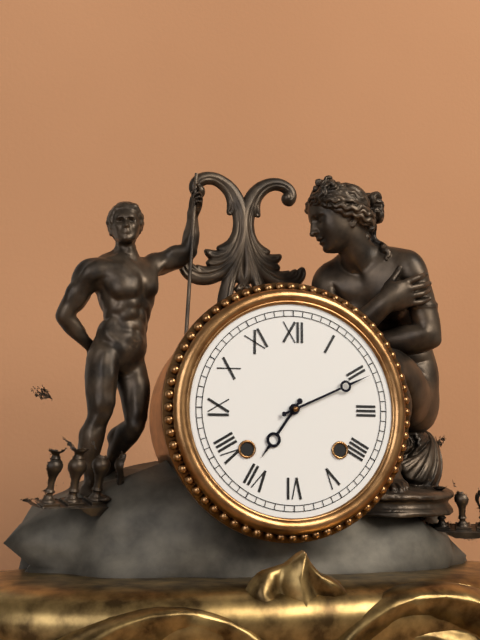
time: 7:11
